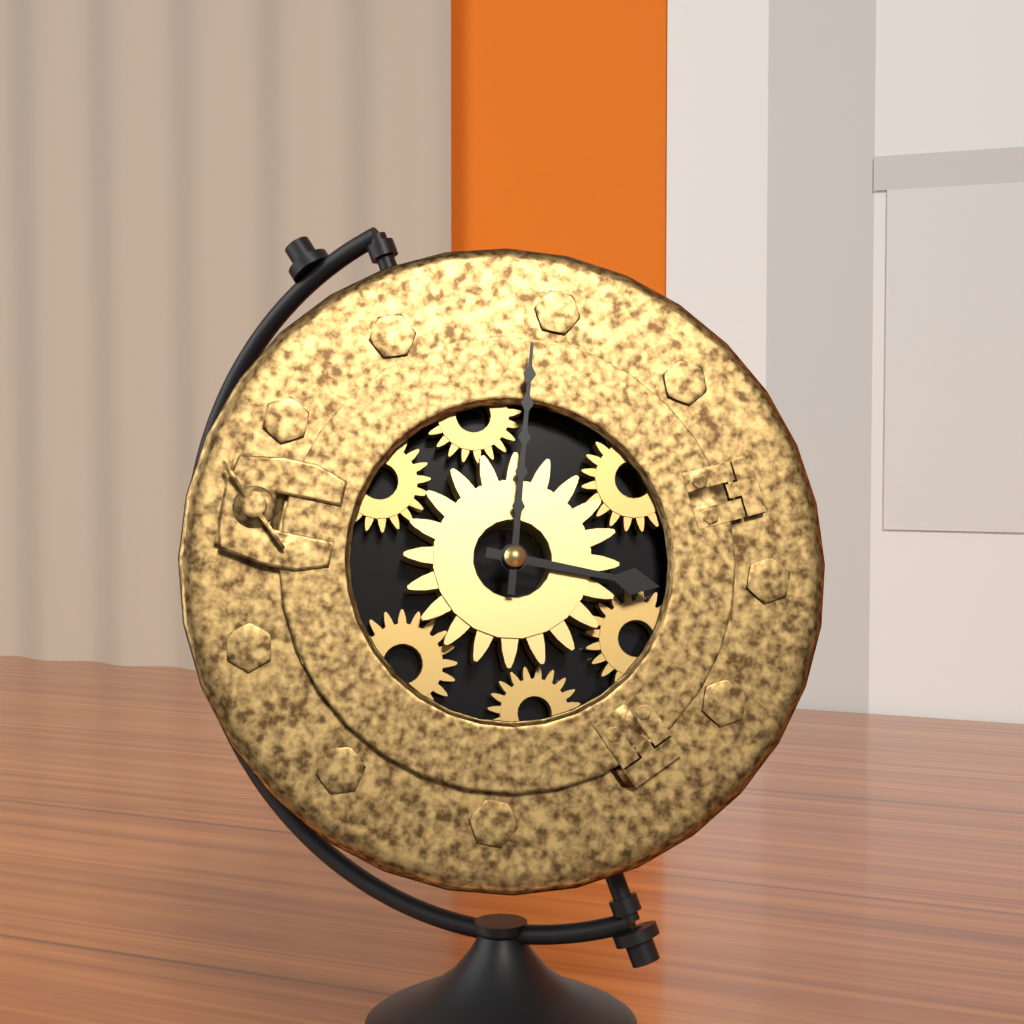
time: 2:59
